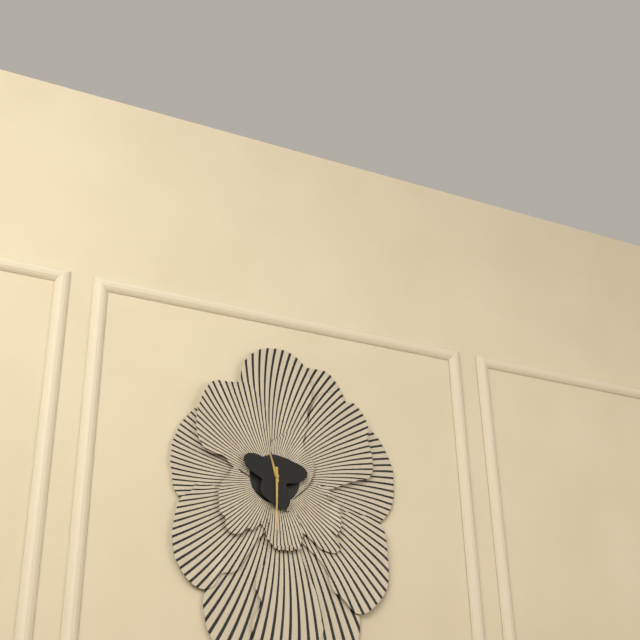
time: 11:30
